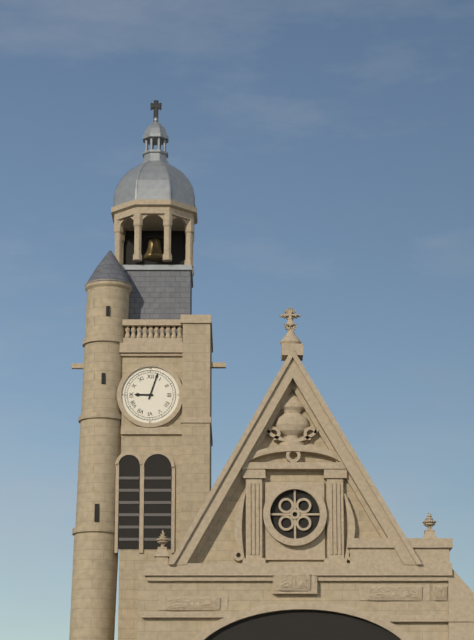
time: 9:03
